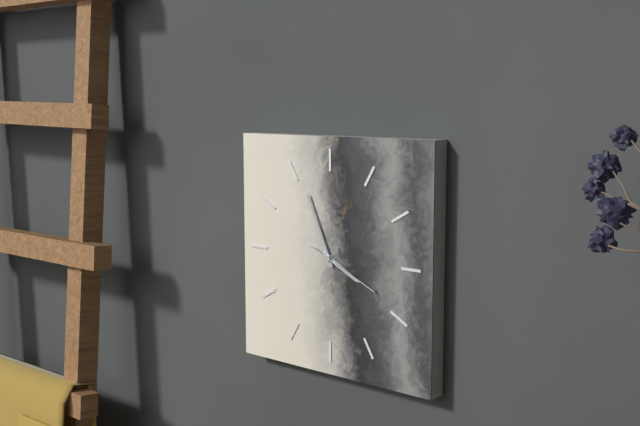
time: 3:56:19
